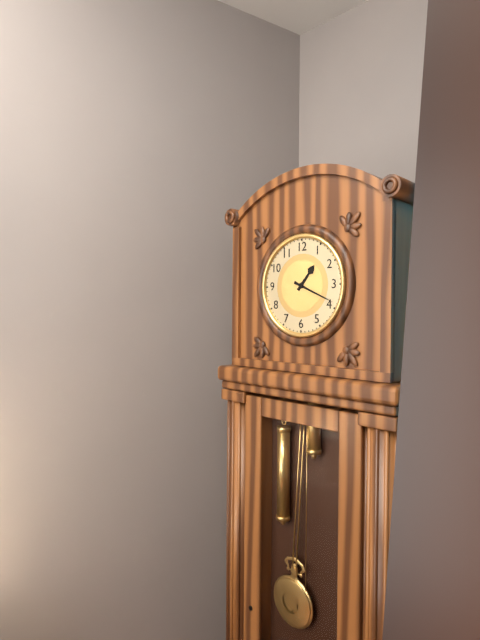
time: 1:19
